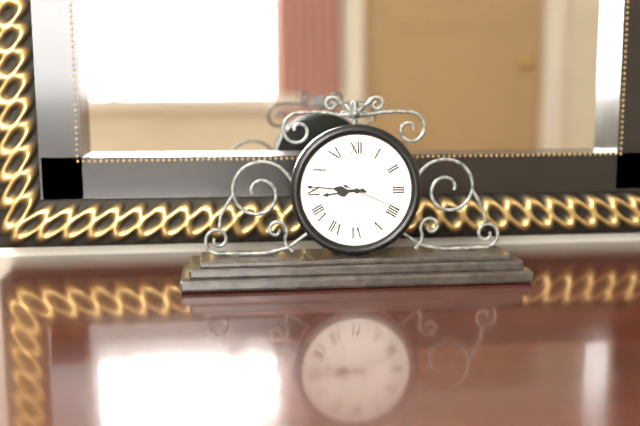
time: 8:46:19
